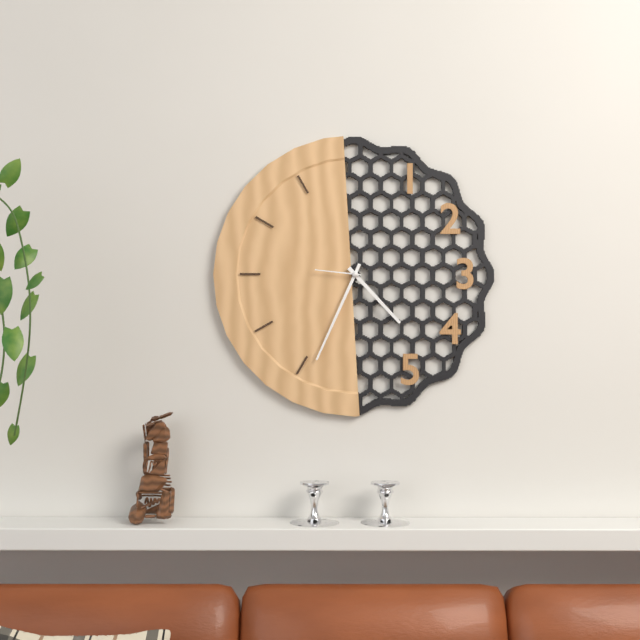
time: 4:34
